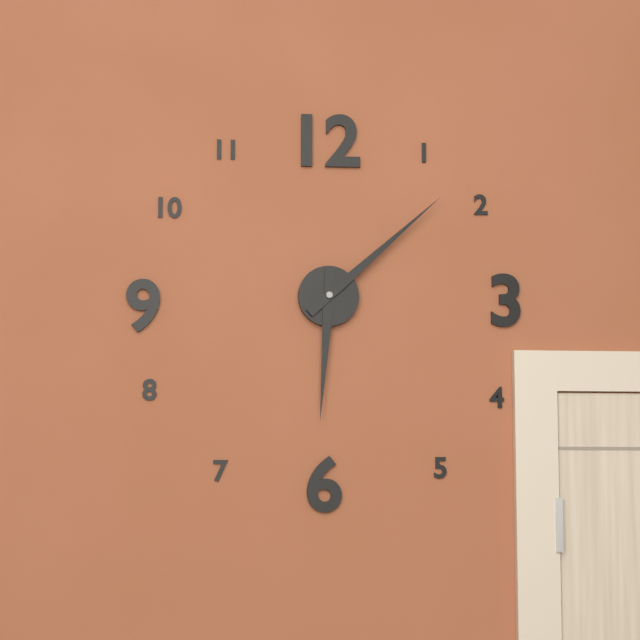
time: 6:08
